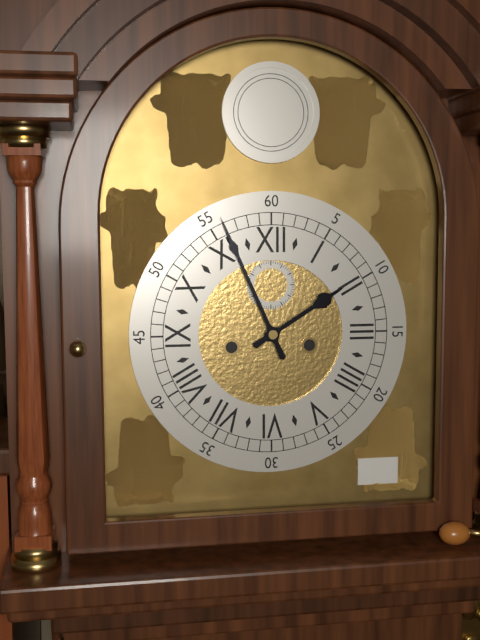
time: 1:56
